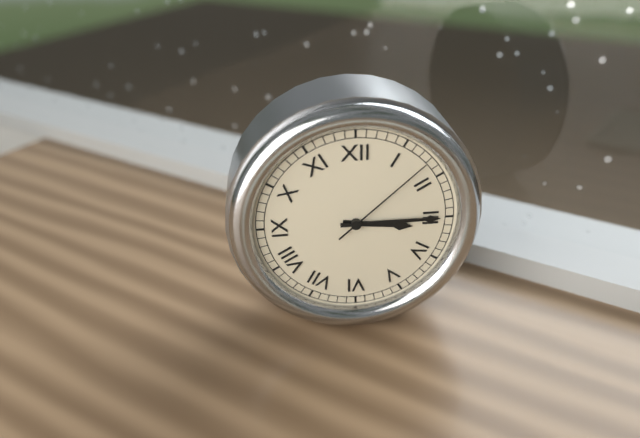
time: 3:15:08
